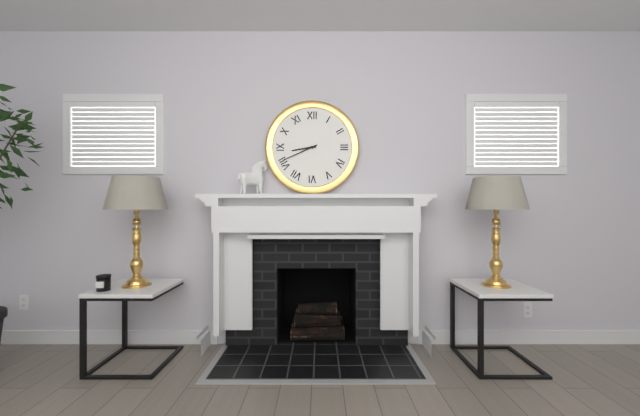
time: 8:41
